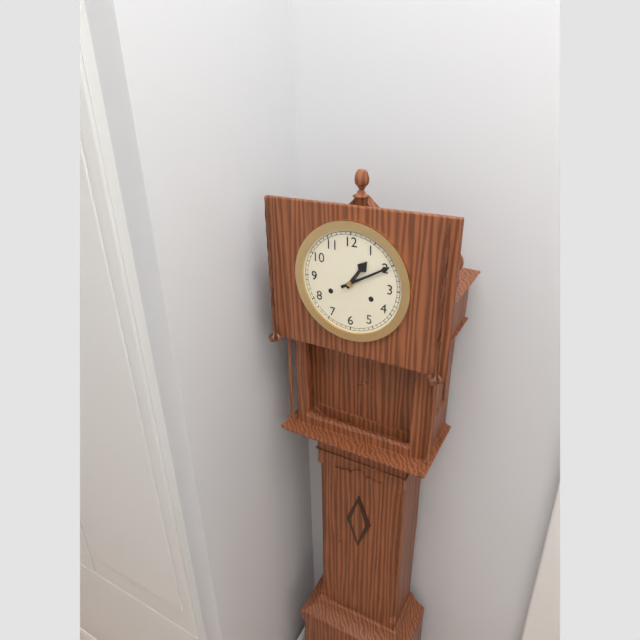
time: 1:10
